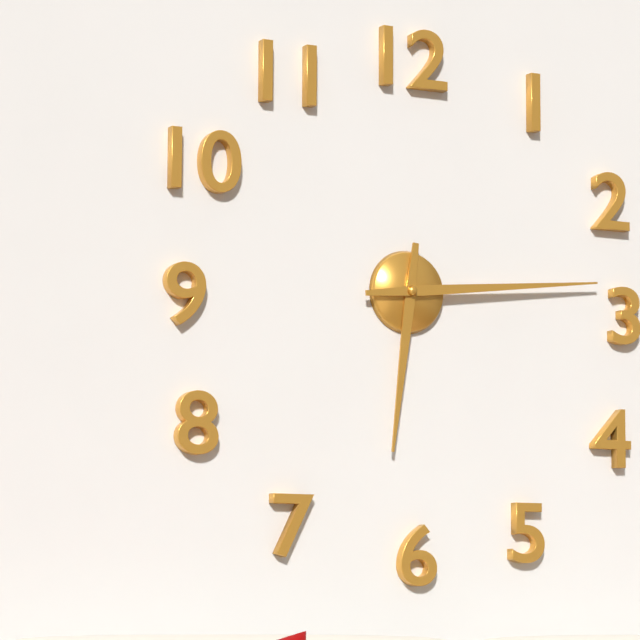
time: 6:14
